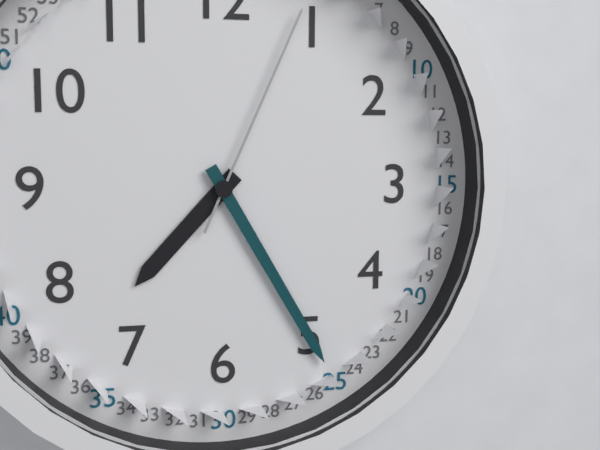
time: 7:25:04
